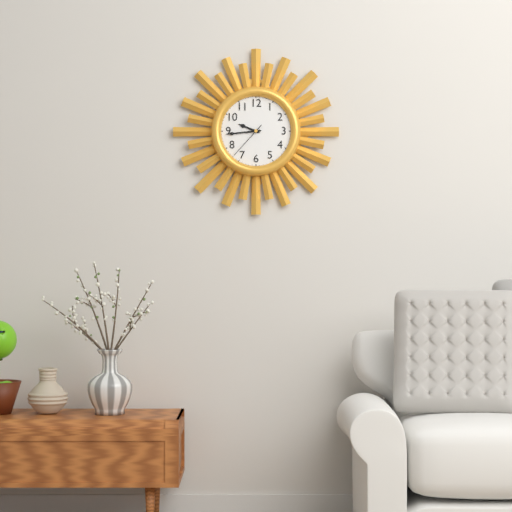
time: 9:44
